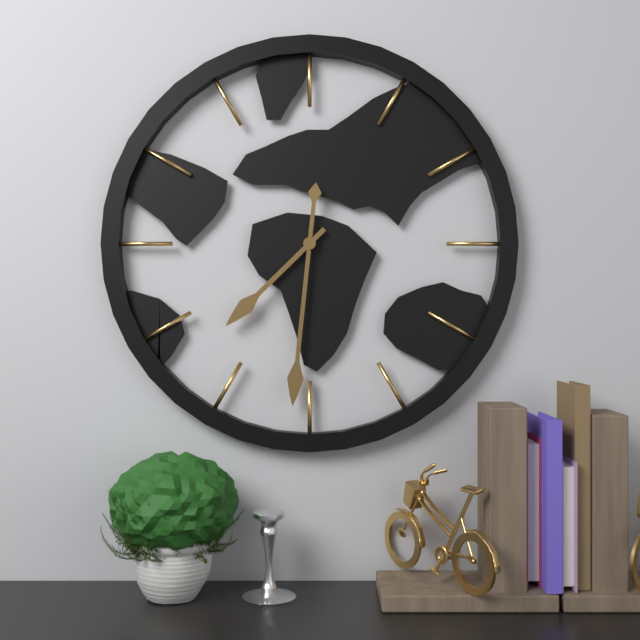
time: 7:31
